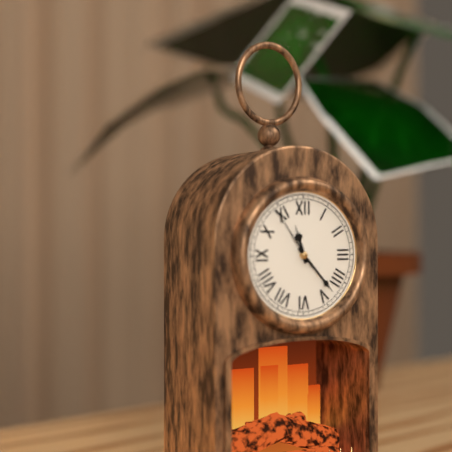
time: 11:23:54
